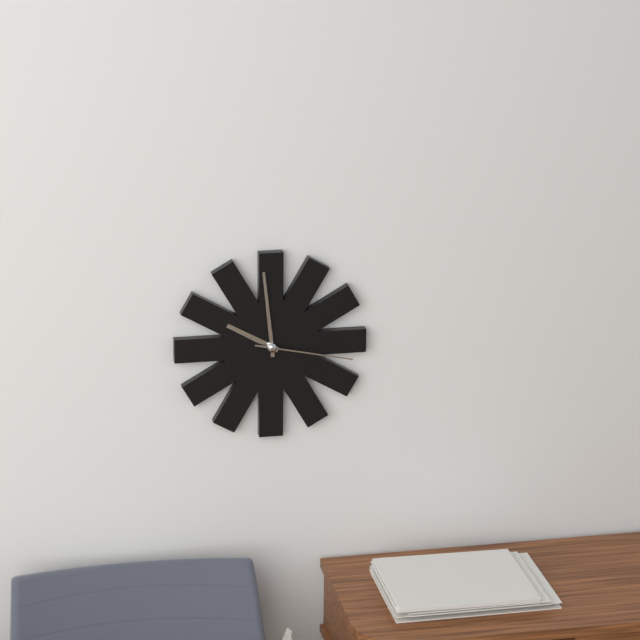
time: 9:59:17
